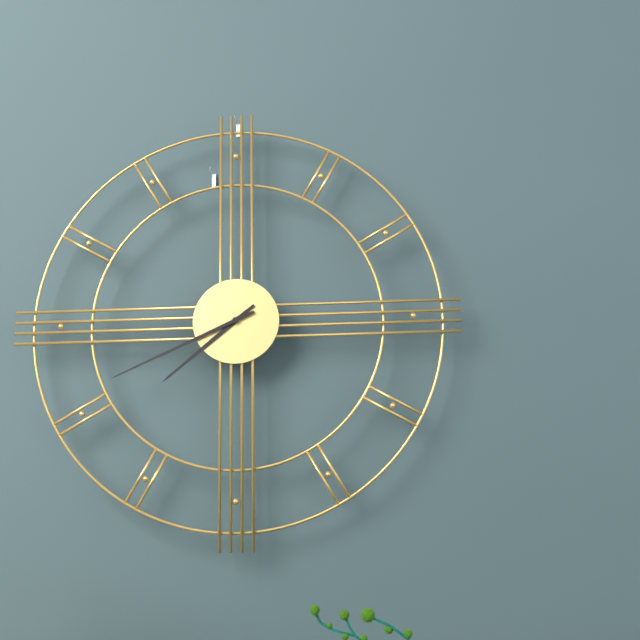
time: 7:41
